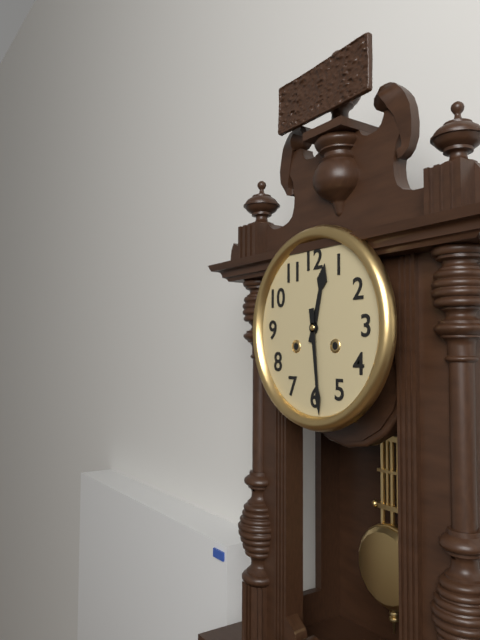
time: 12:29
